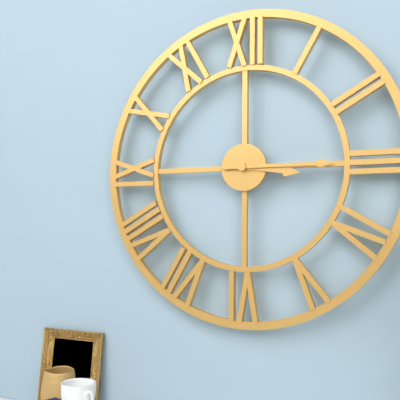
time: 3:15
